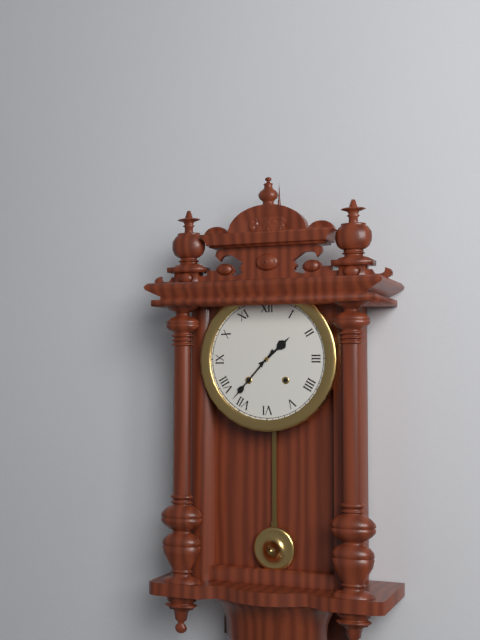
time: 1:37
